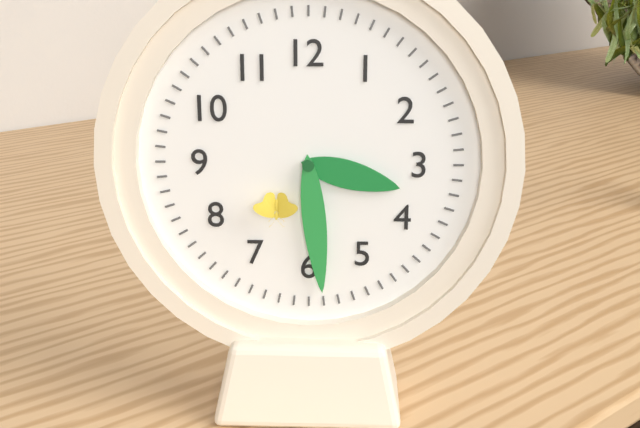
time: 3:29
